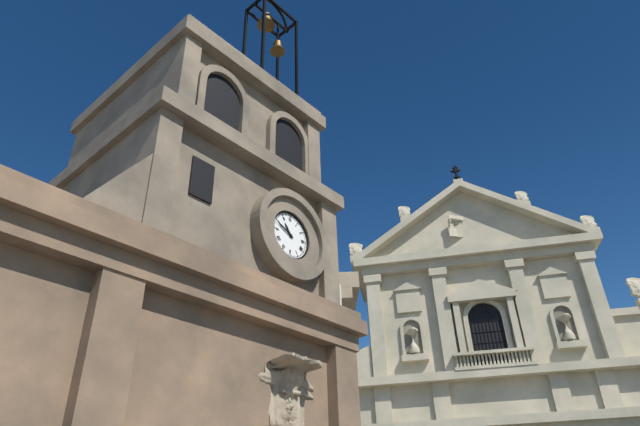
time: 10:49
